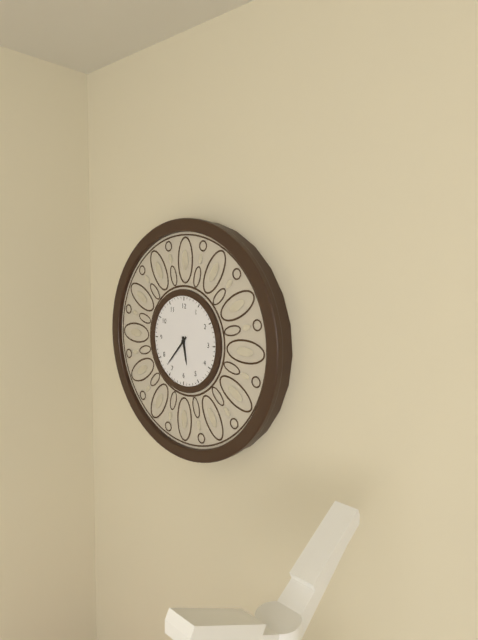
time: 5:37
